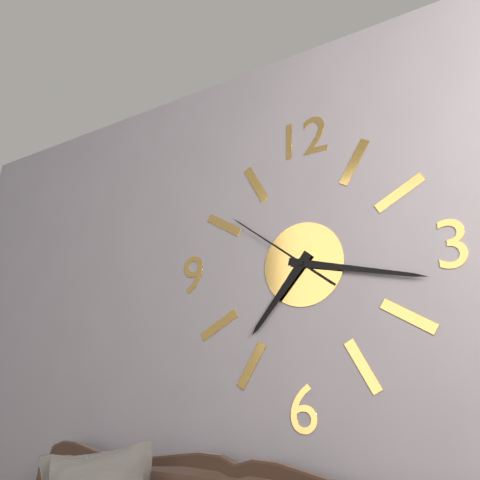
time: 7:17:51
